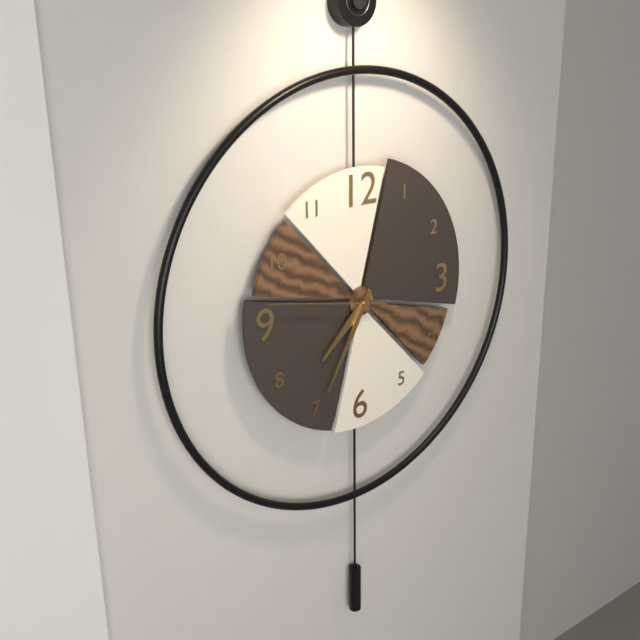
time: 7:35:47
